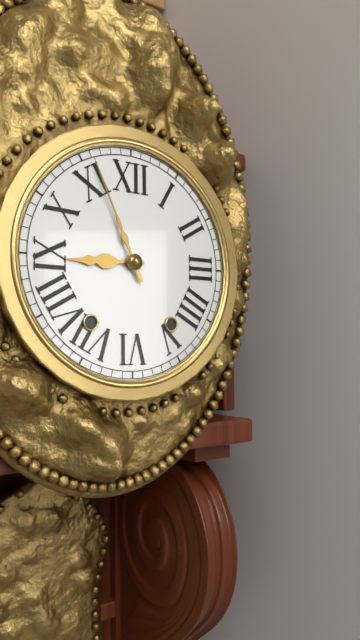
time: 8:56
